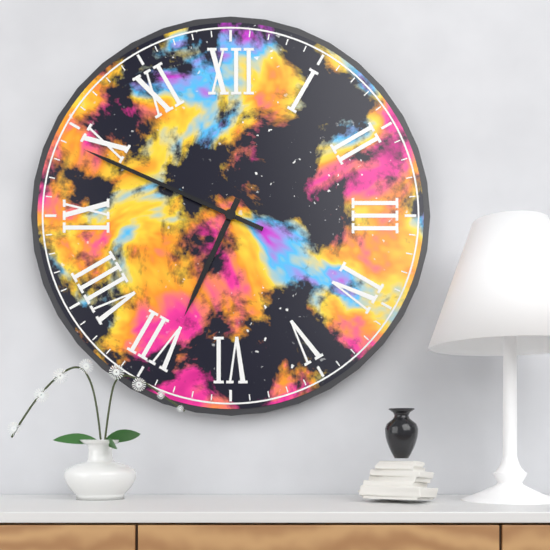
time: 6:49
